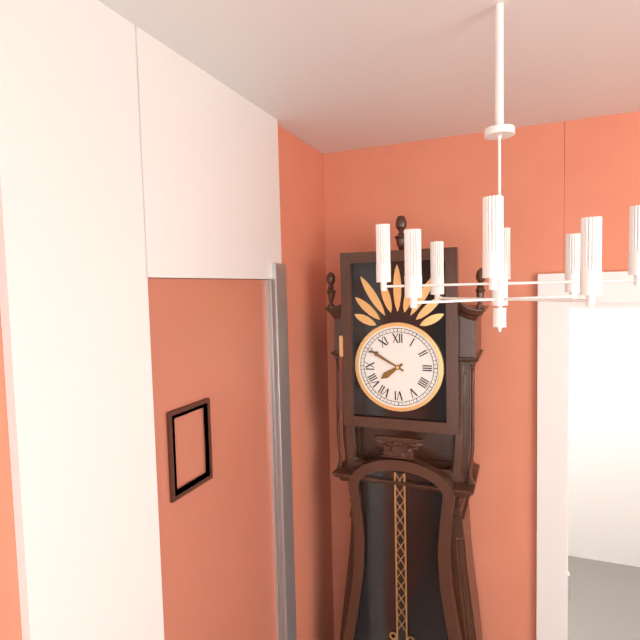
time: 7:50
